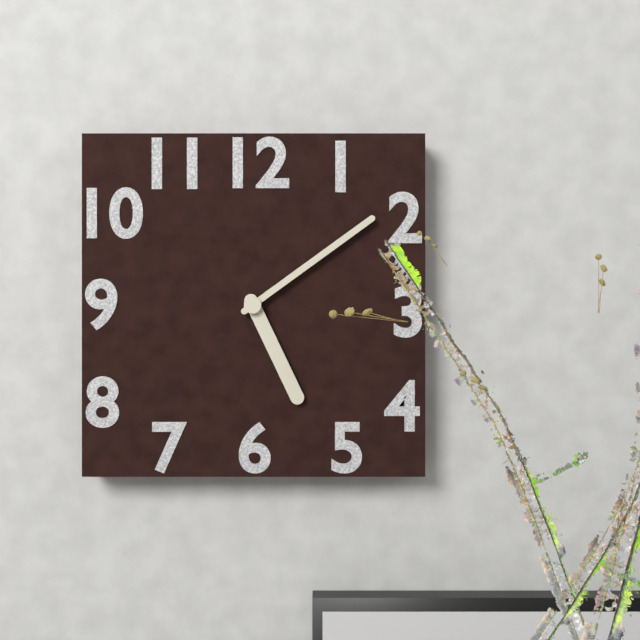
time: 5:09
